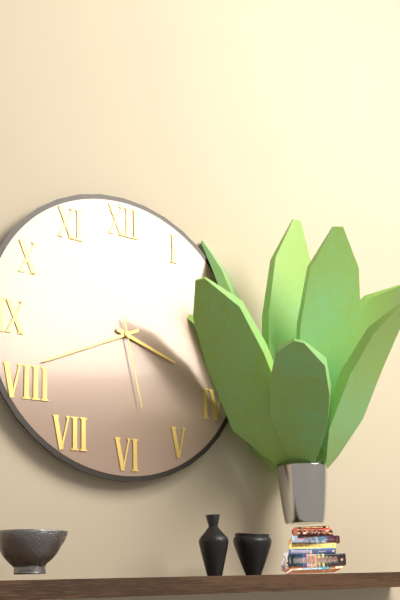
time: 3:41:28
